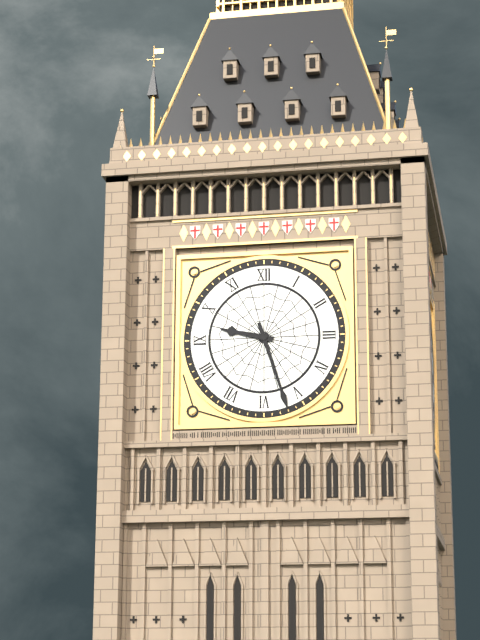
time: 9:27
